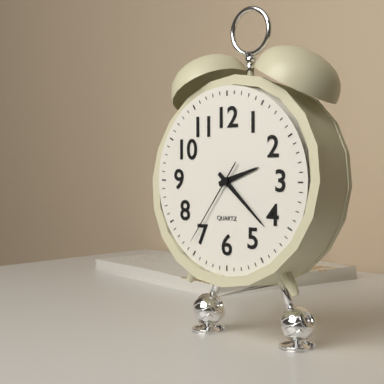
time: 2:22:36
